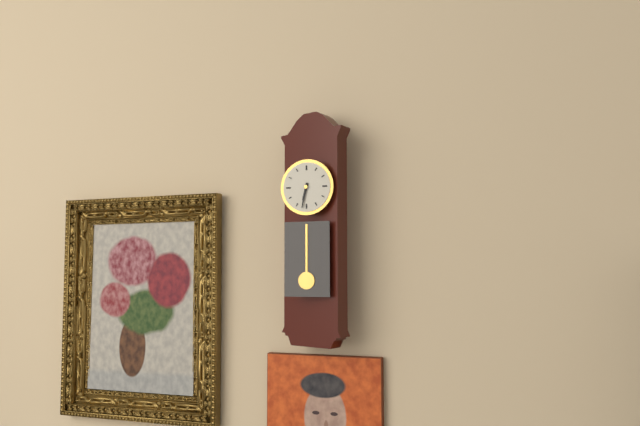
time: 6:32
